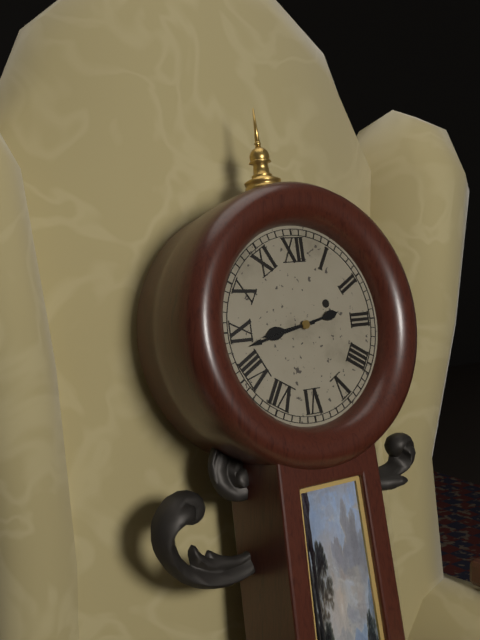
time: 8:43
